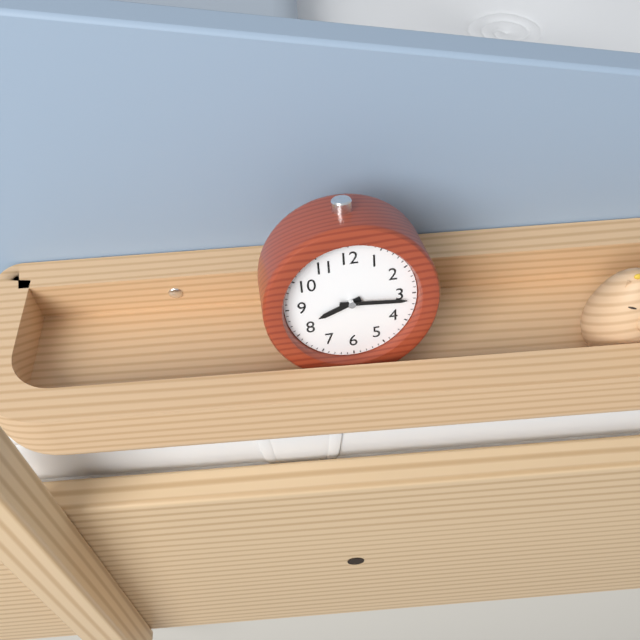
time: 8:16
